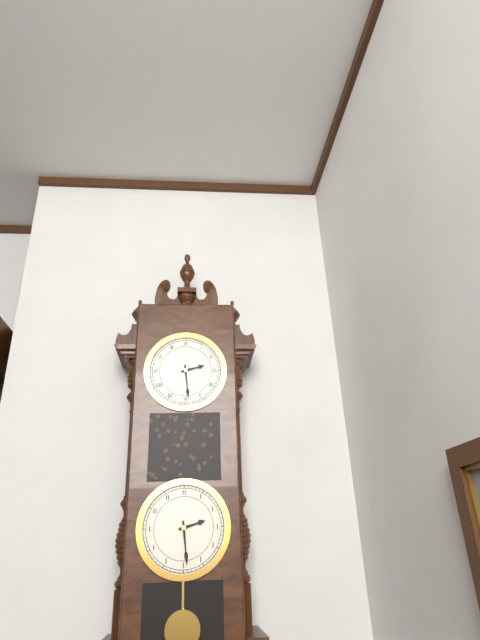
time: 2:29
